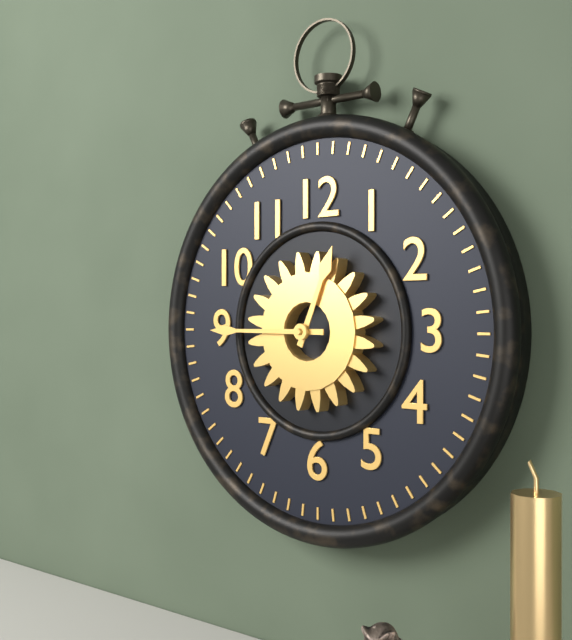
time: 12:45
